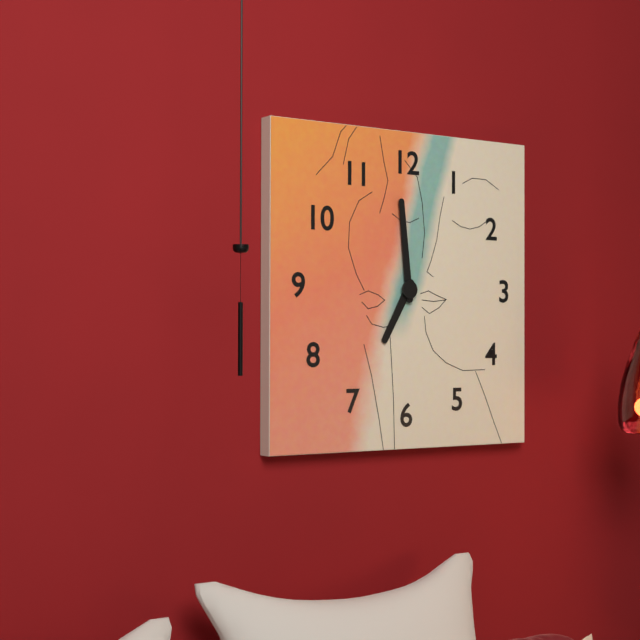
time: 6:59
